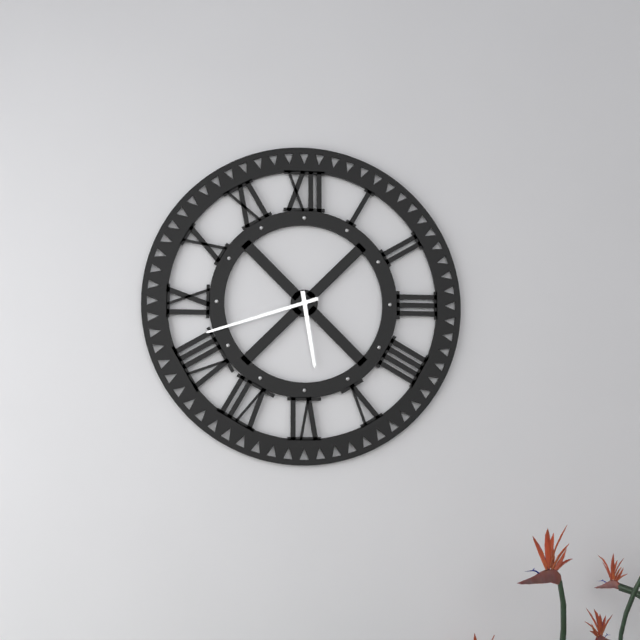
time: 5:42
